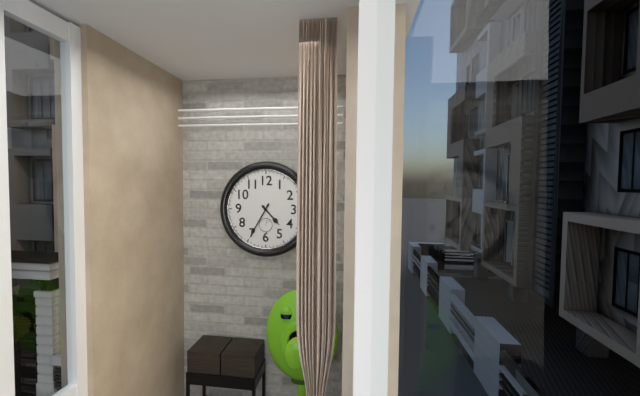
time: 4:35
